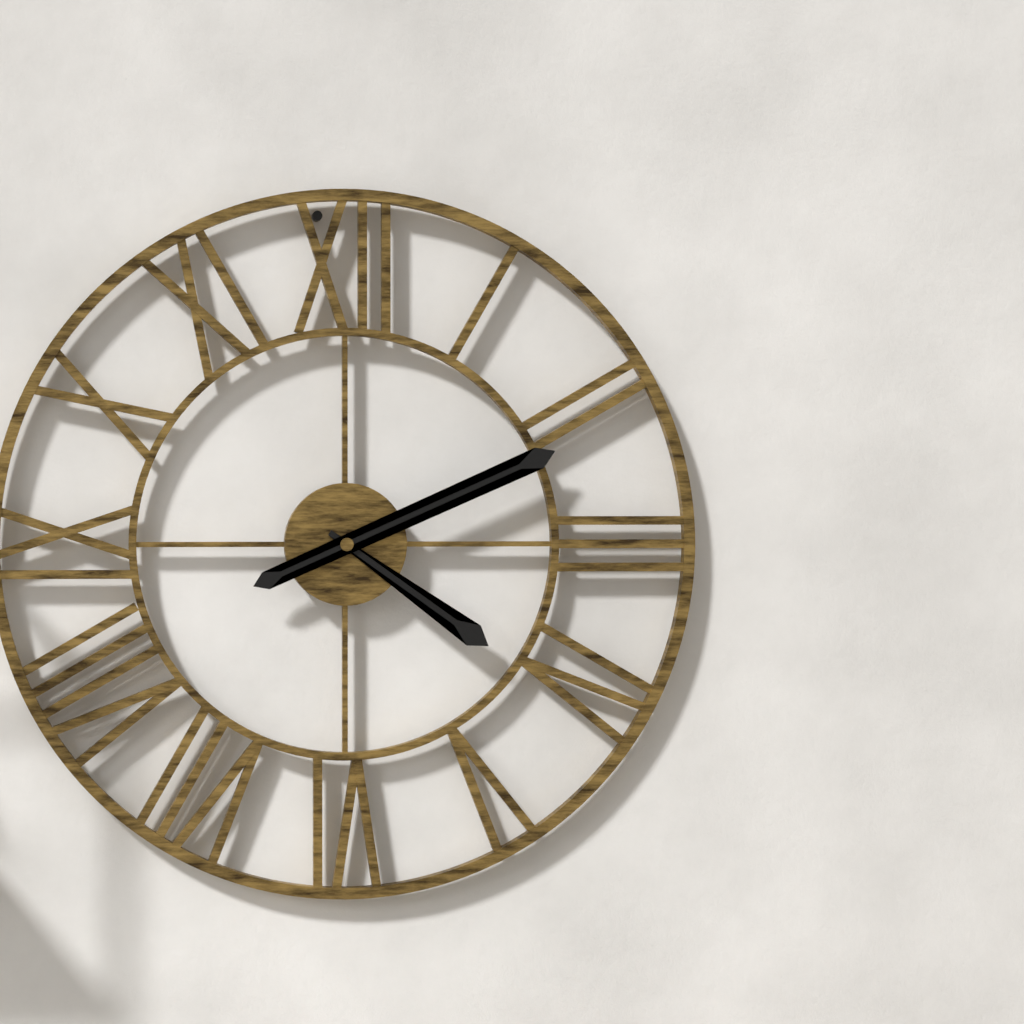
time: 4:11
